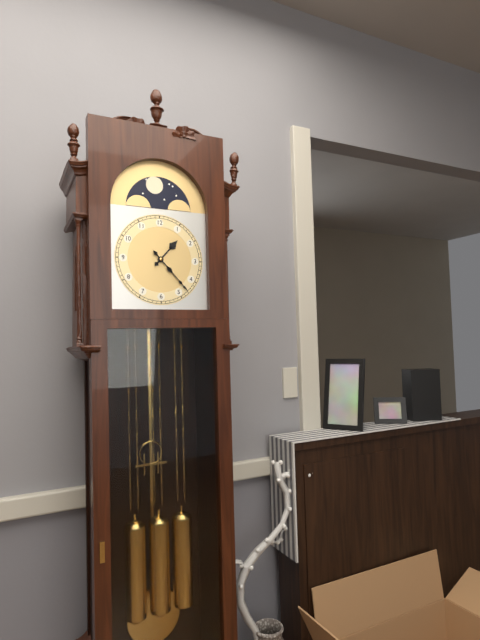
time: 1:23
